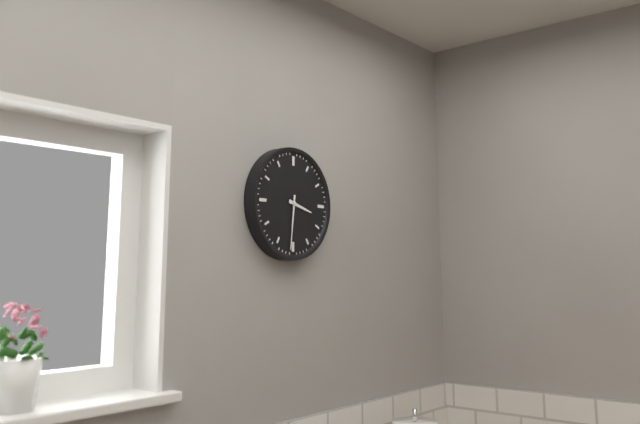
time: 3:31
